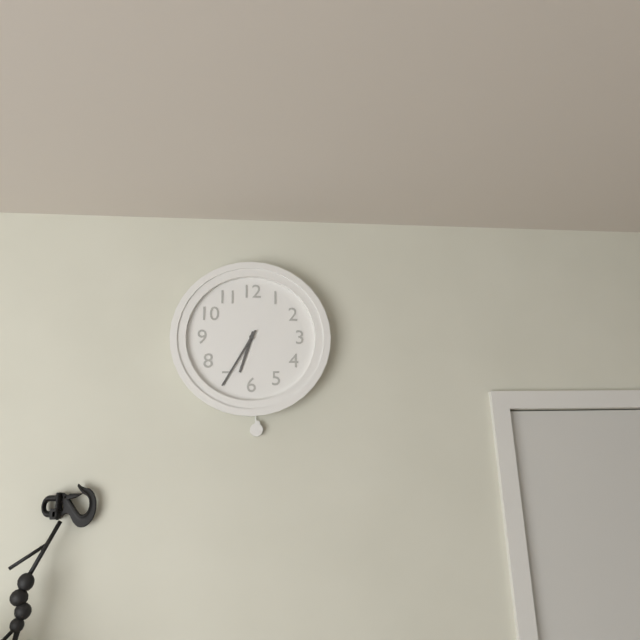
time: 6:35
